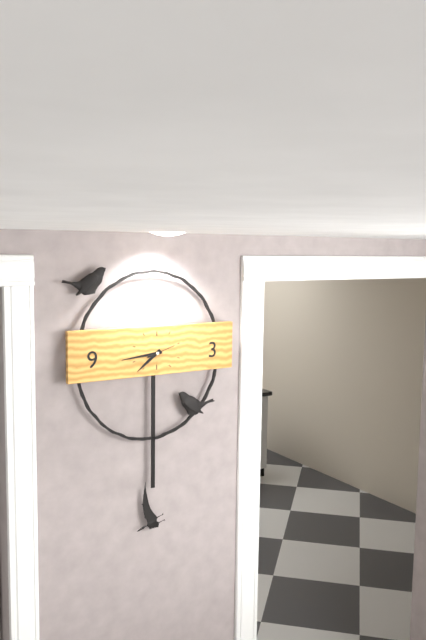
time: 7:44
